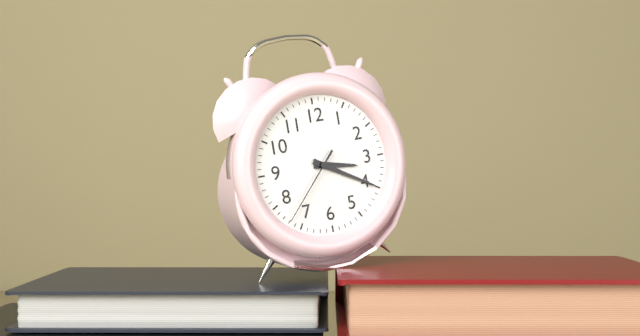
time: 3:20:37
